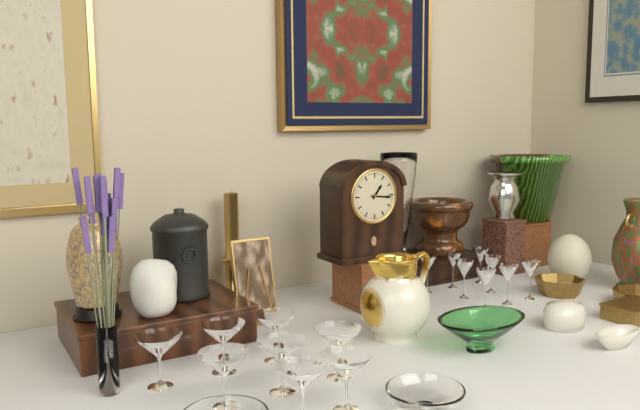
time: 1:16
